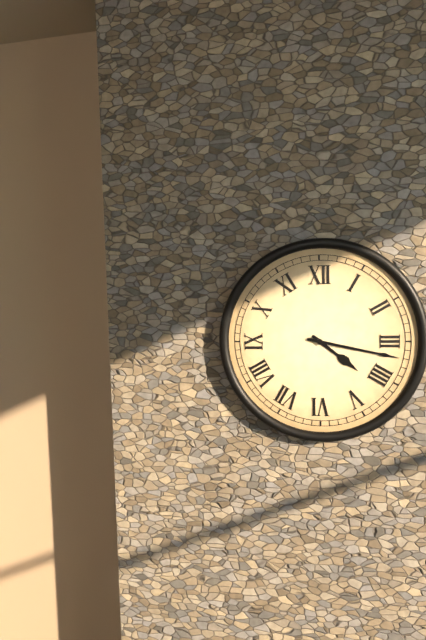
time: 4:17
